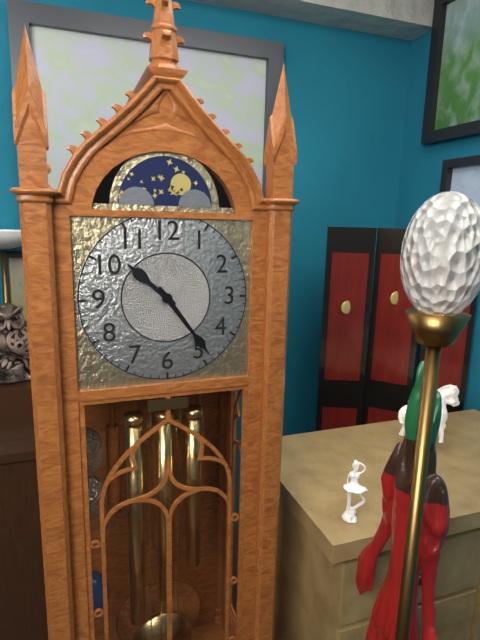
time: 10:24
